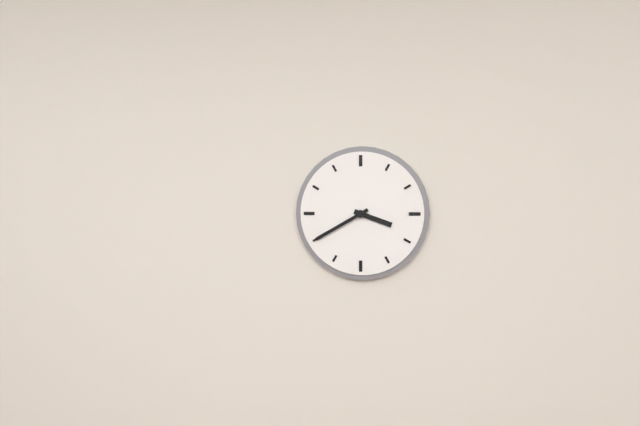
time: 3:40
